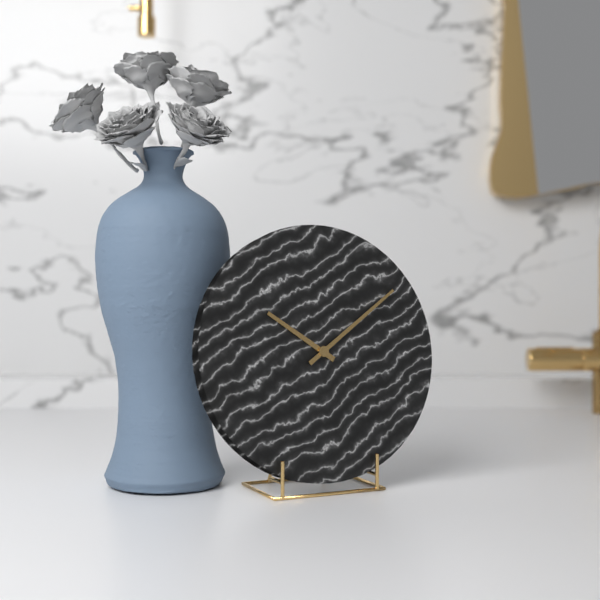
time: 10:09
